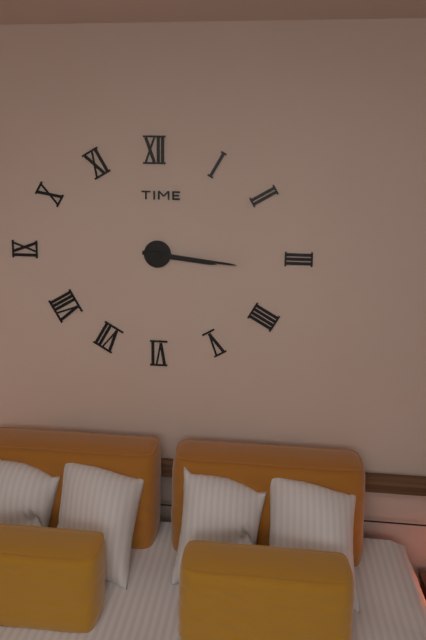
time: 3:16
